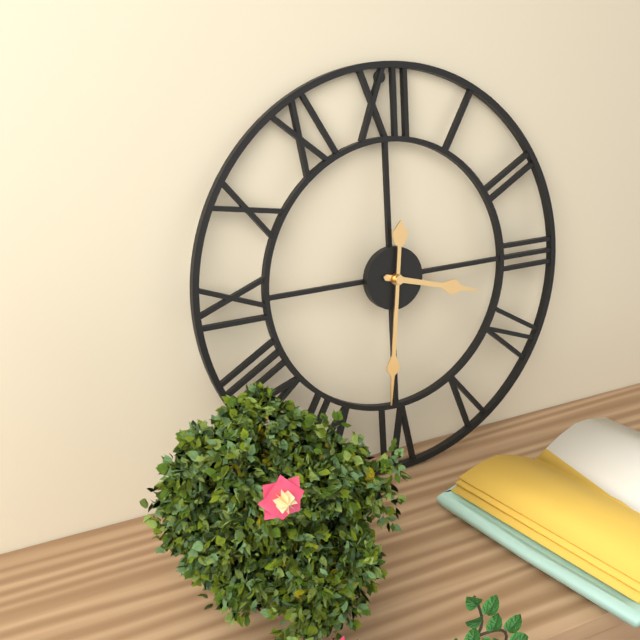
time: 3:31
